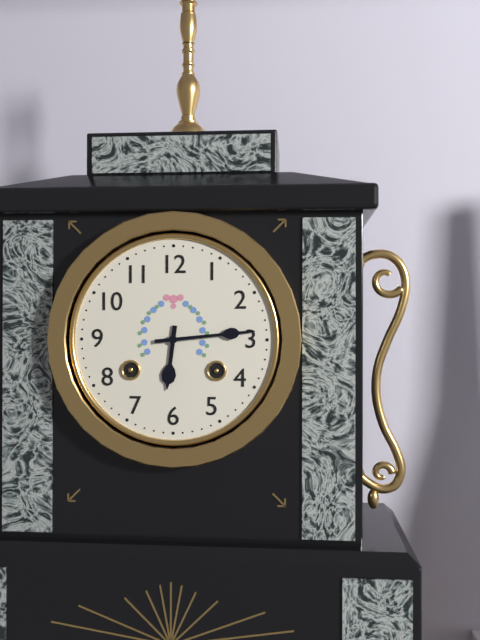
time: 6:14
